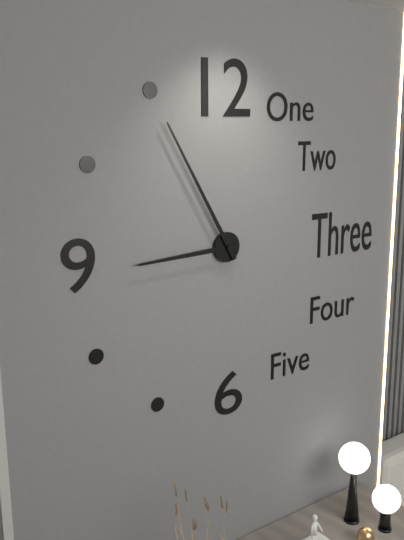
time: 8:55
